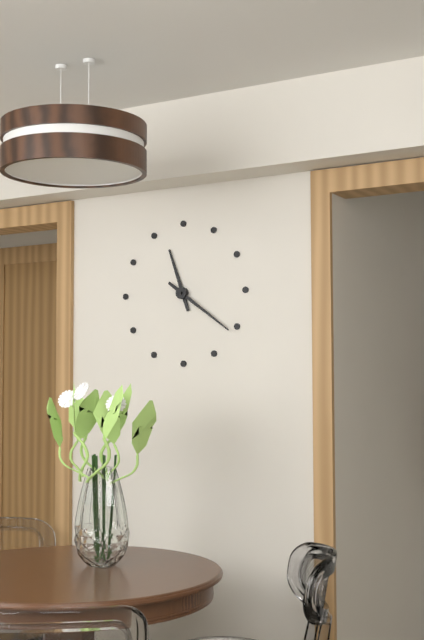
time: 11:21
